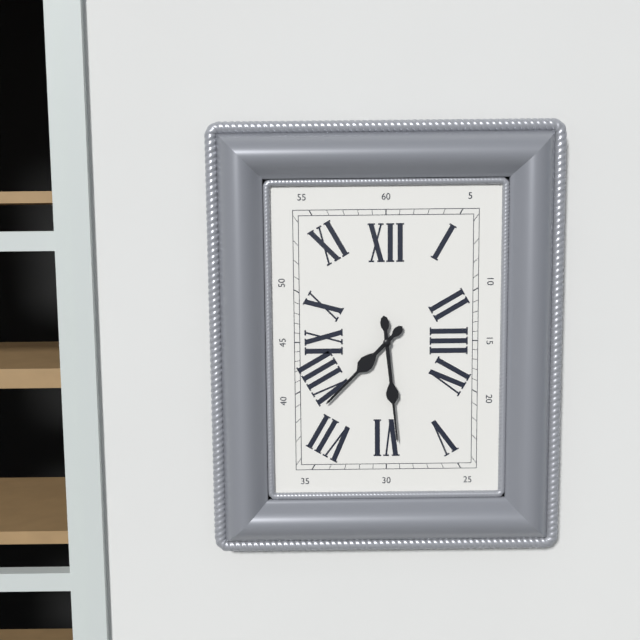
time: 7:29
